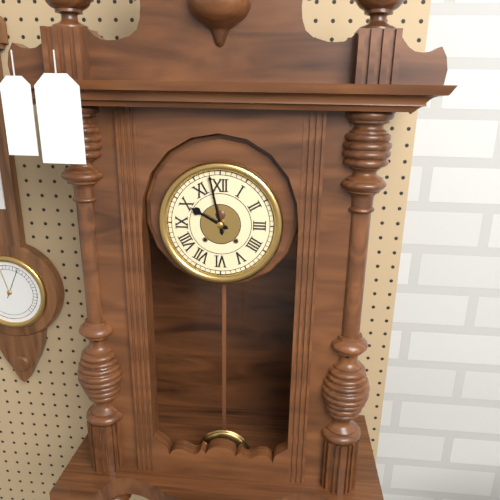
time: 9:58
